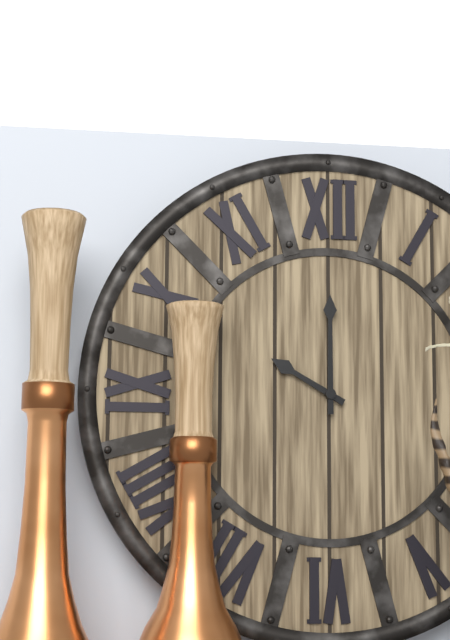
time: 10:00
